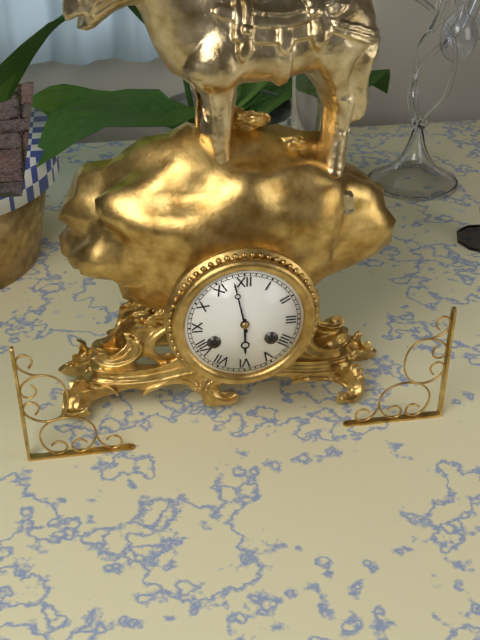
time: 5:58
